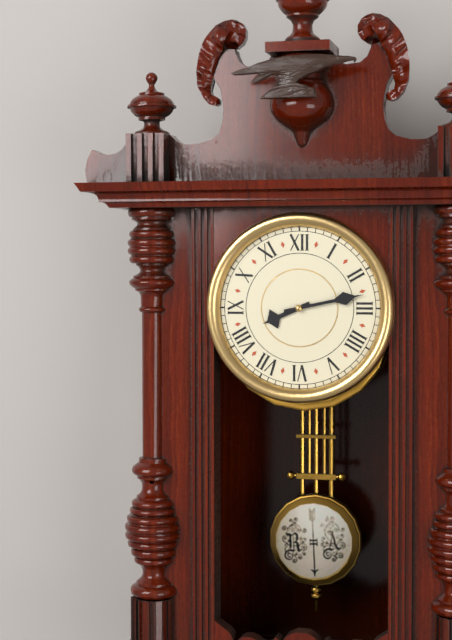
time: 8:13
